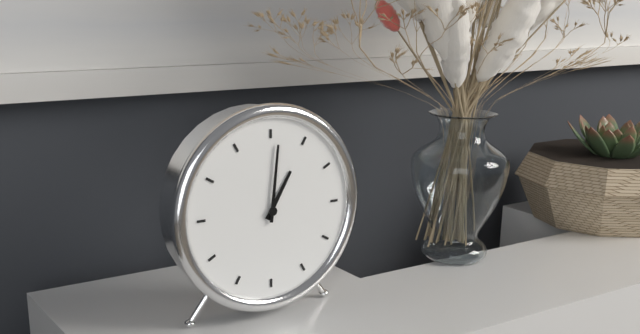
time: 1:01
